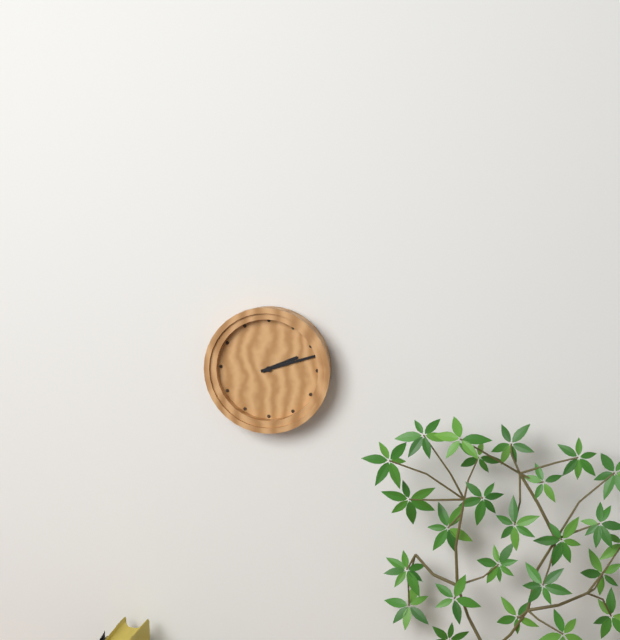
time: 2:12
